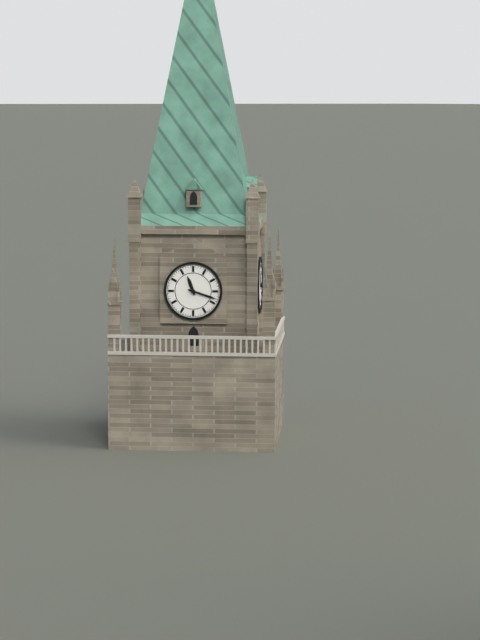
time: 11:18
